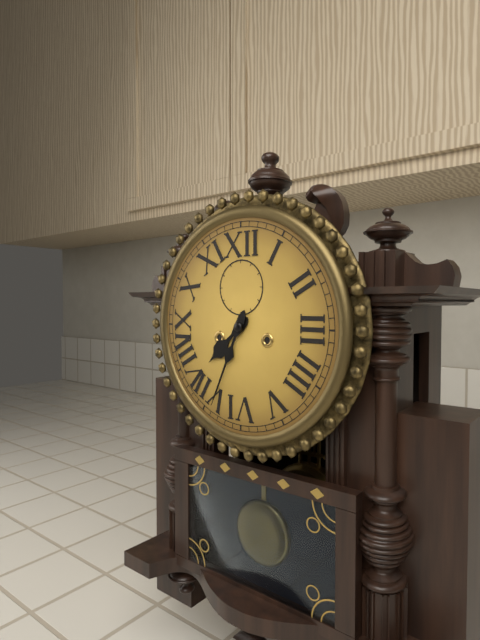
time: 7:34
